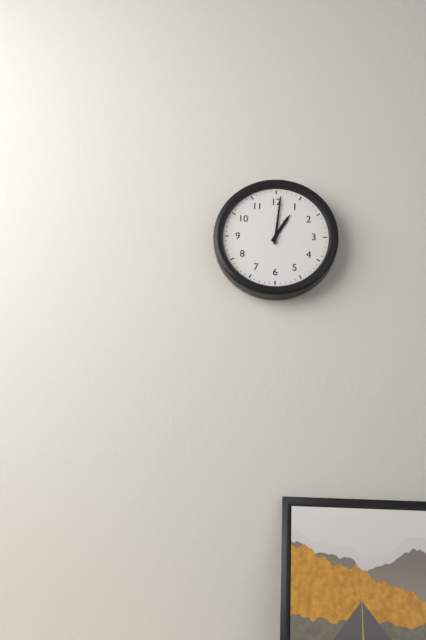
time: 1:01
